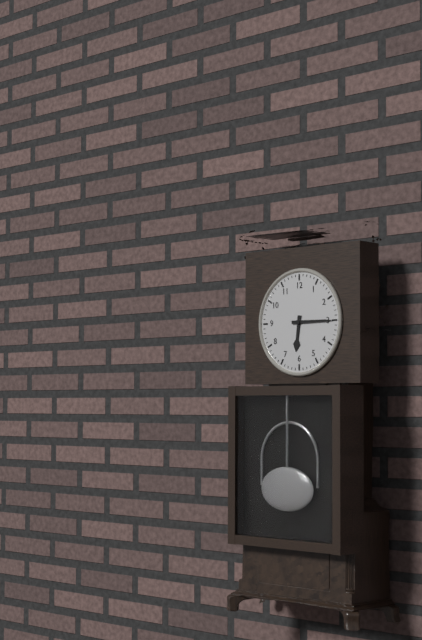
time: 6:15
